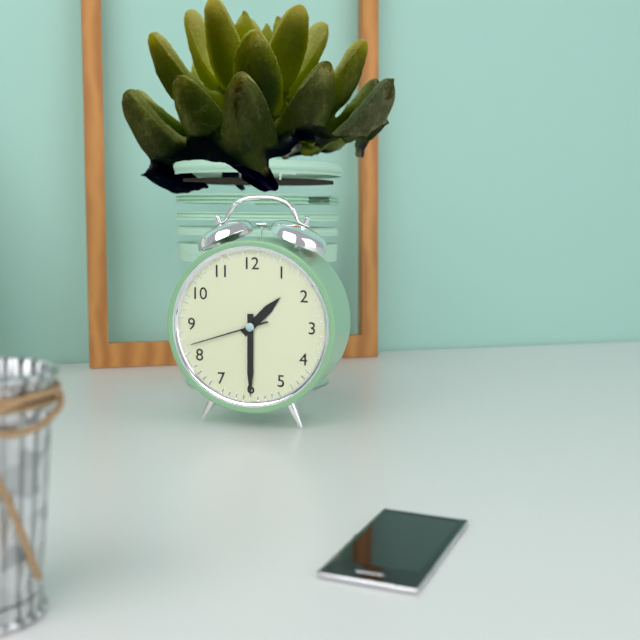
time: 1:30:42
